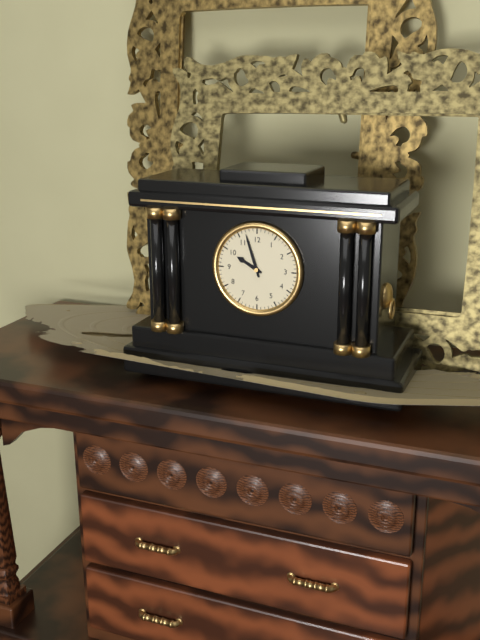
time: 9:57
